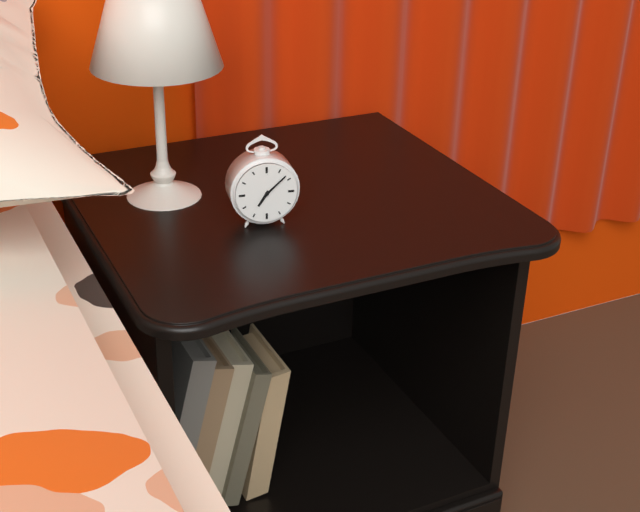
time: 7:08
